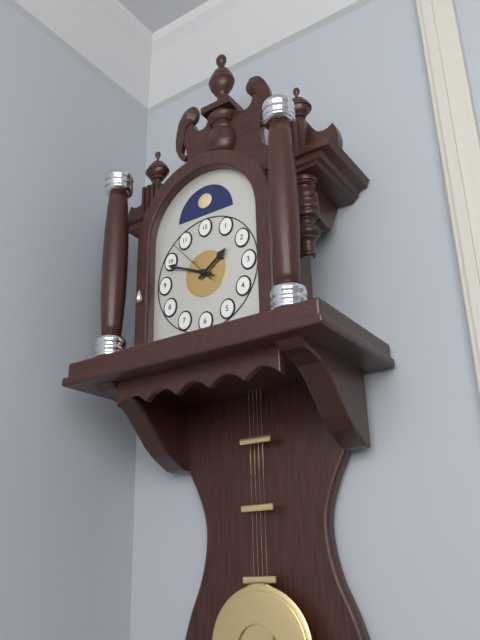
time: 1:49:53
